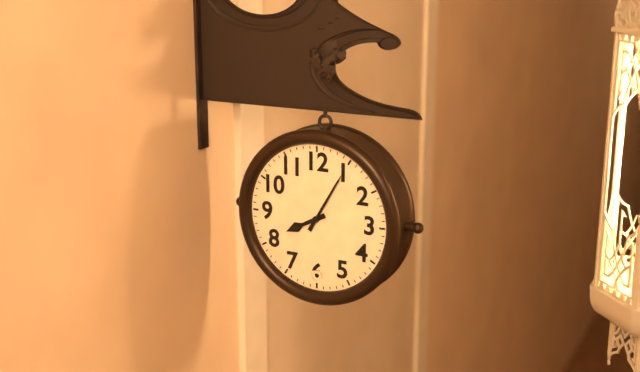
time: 8:05
